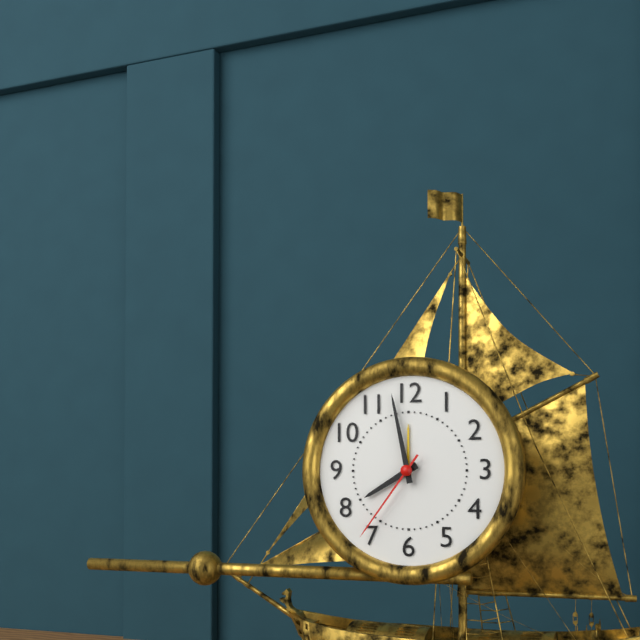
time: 7:58:36
